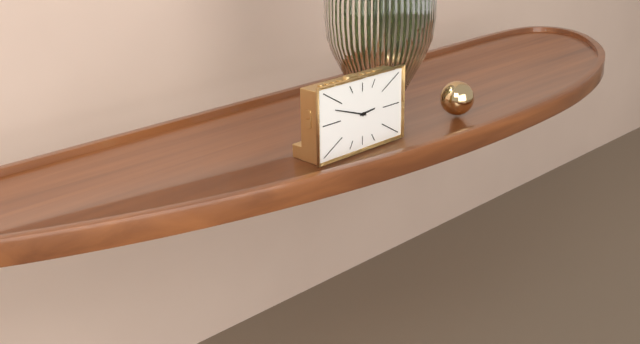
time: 2:48
